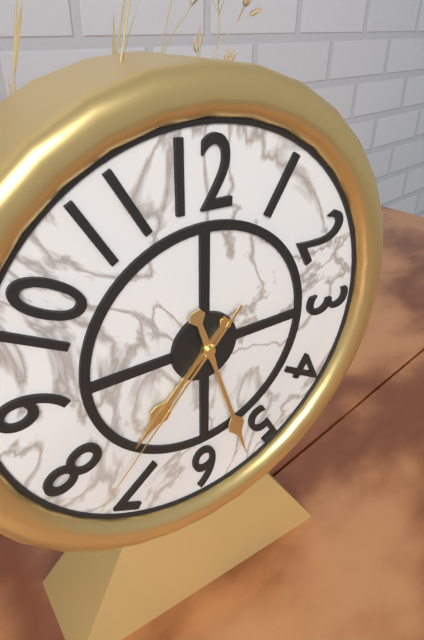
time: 7:27:37
